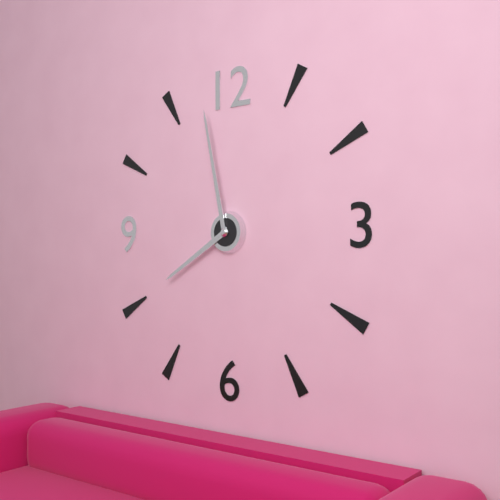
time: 7:58
